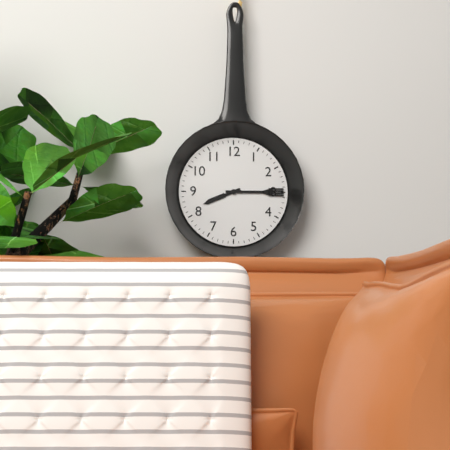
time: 8:15
